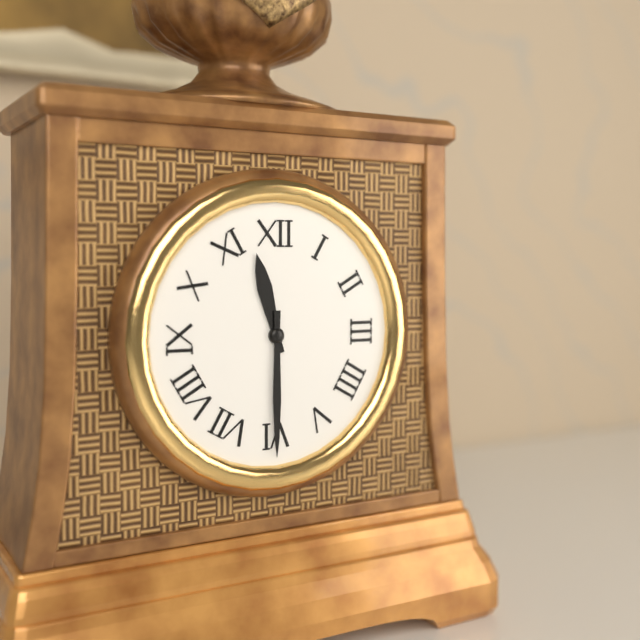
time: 11:30
